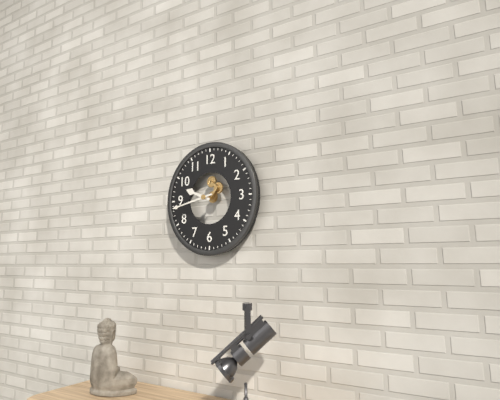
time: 9:43
